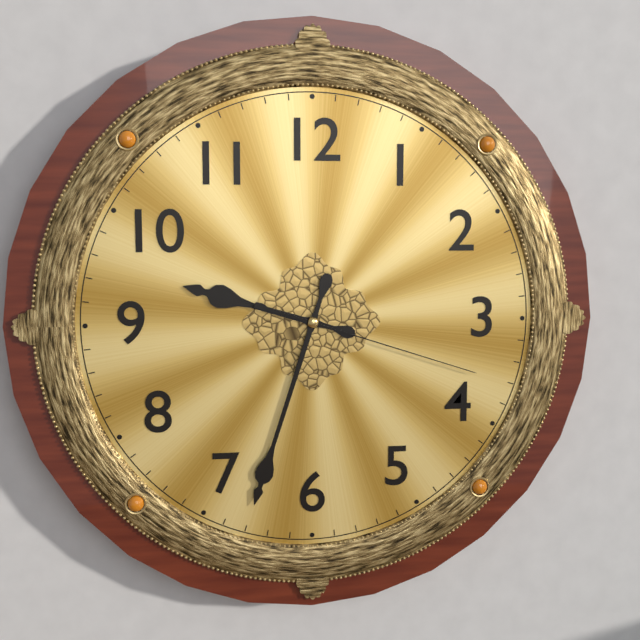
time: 9:33:18
